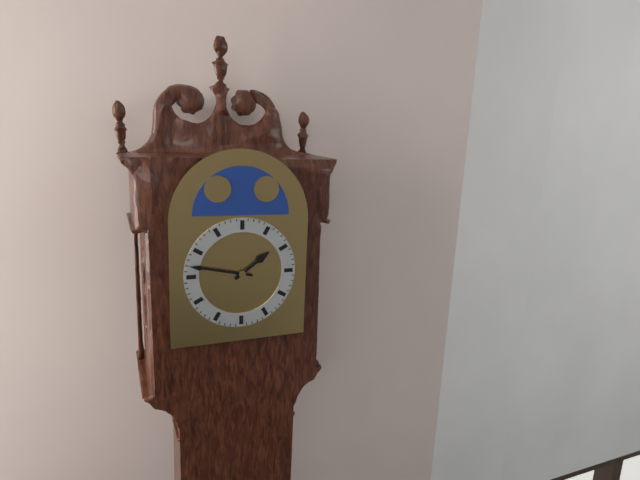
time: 1:47
